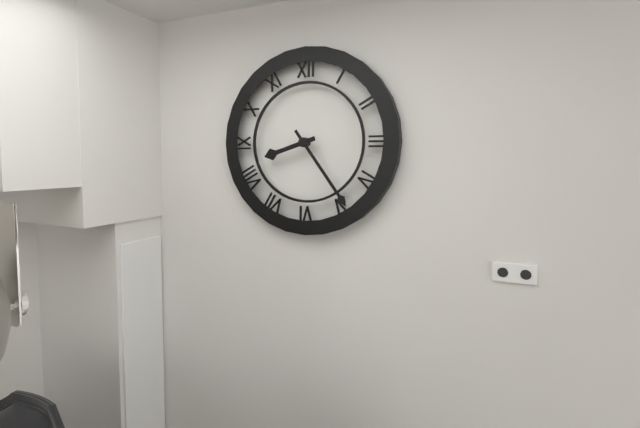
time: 8:24
